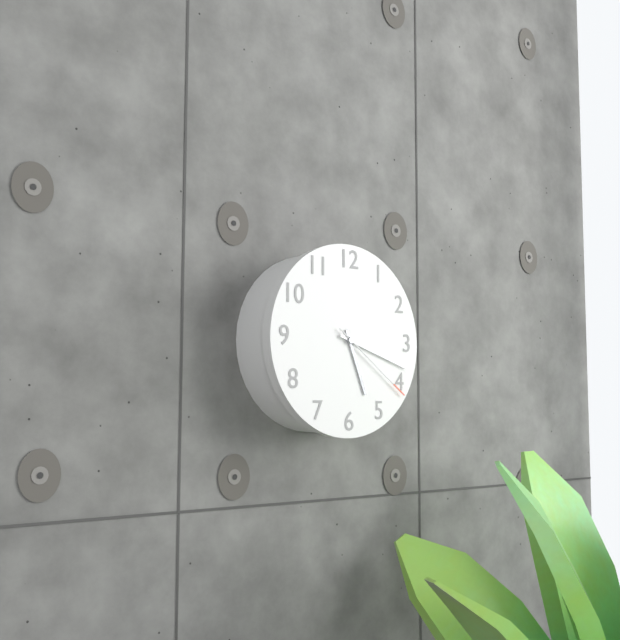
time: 5:18:21
